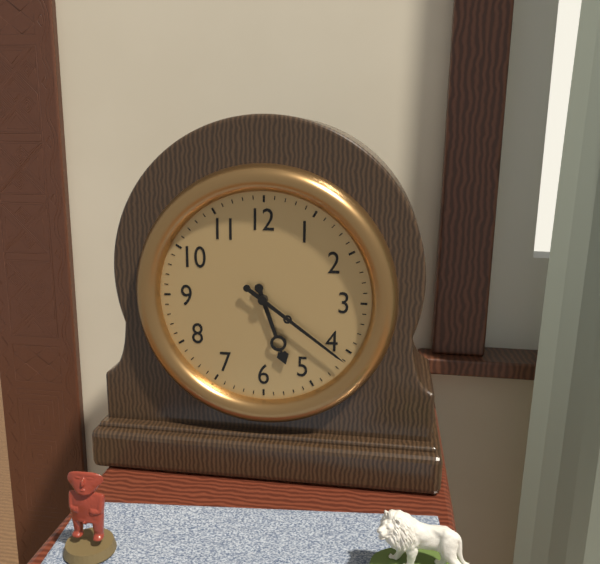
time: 5:21
